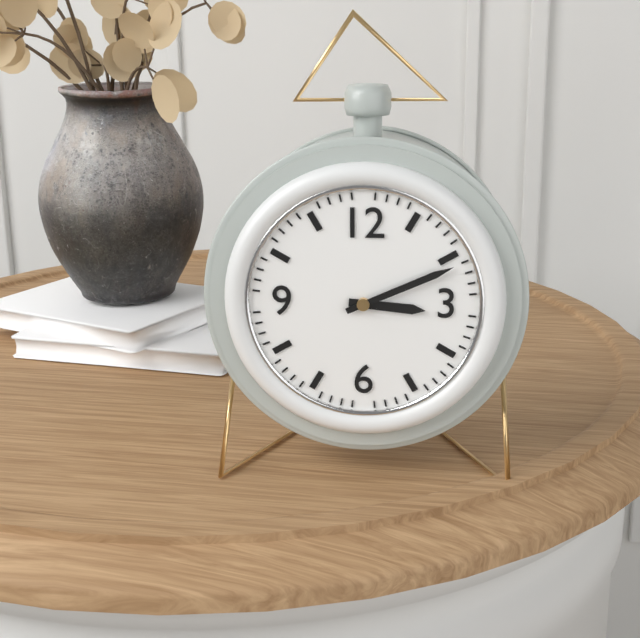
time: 3:11
